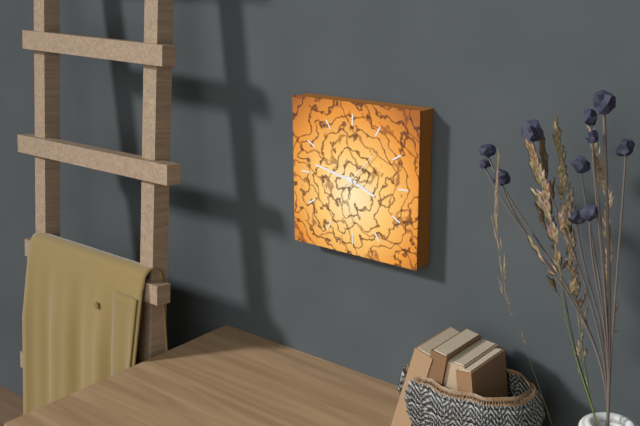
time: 3:47
